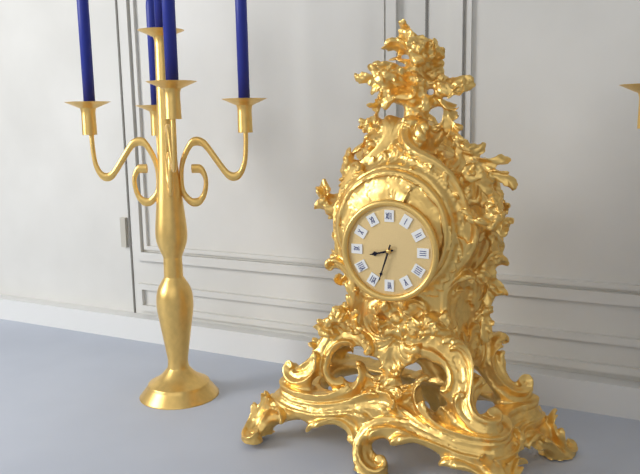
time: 8:33
